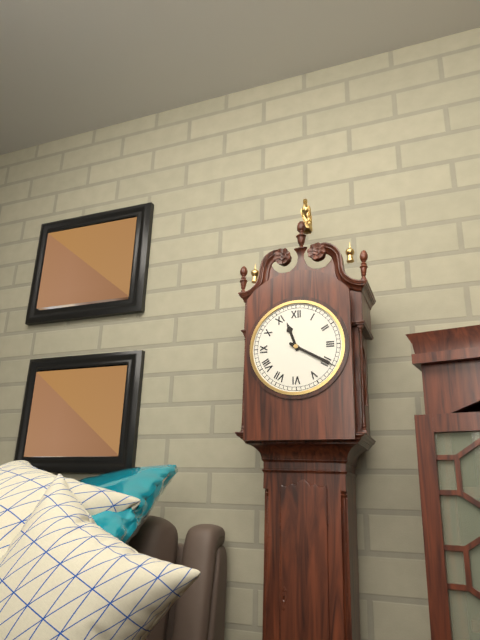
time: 11:20
